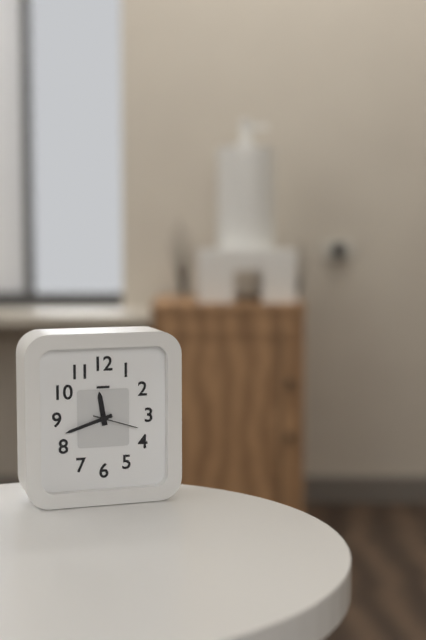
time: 11:42
